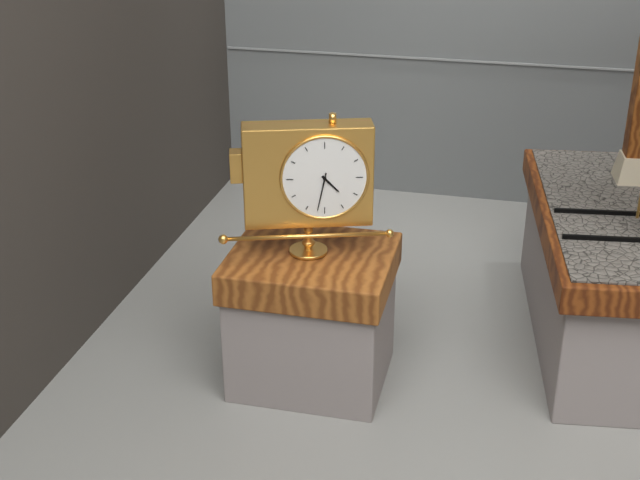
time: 4:32
